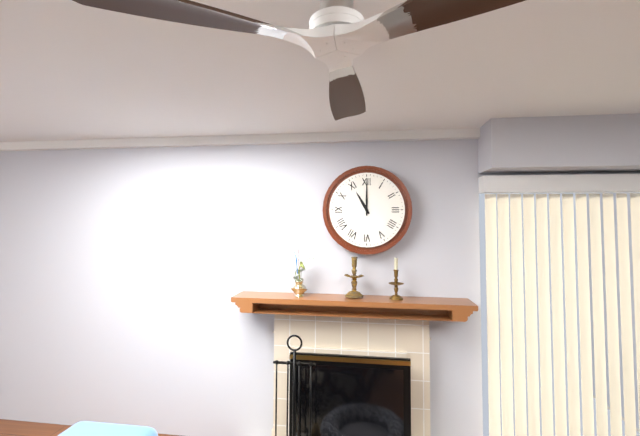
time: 11:00
